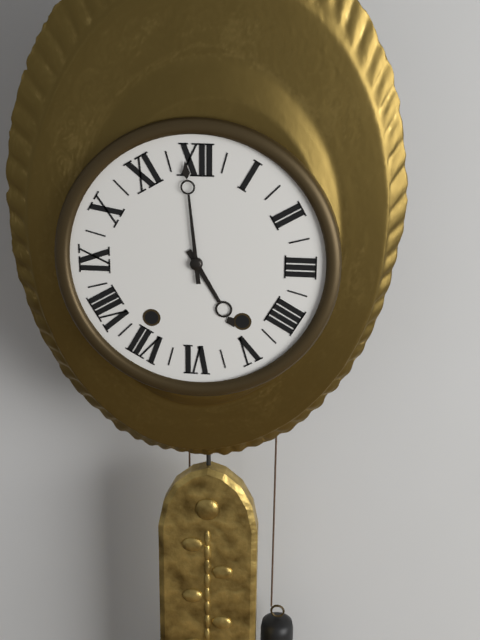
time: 4:59
